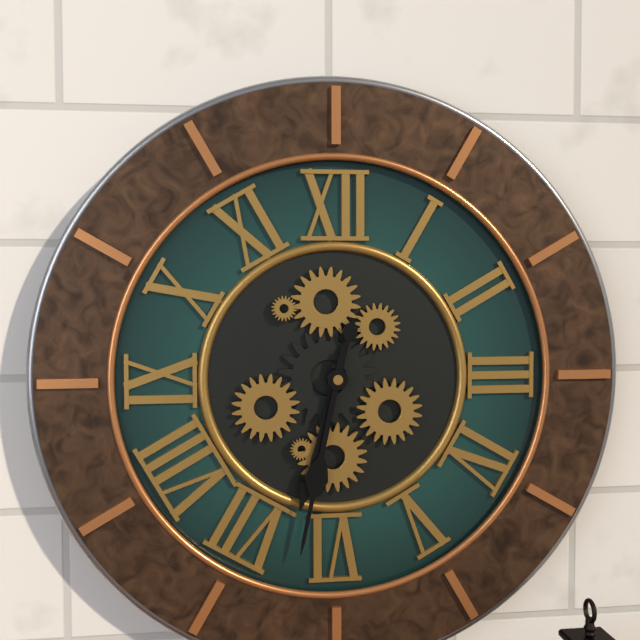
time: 6:32
